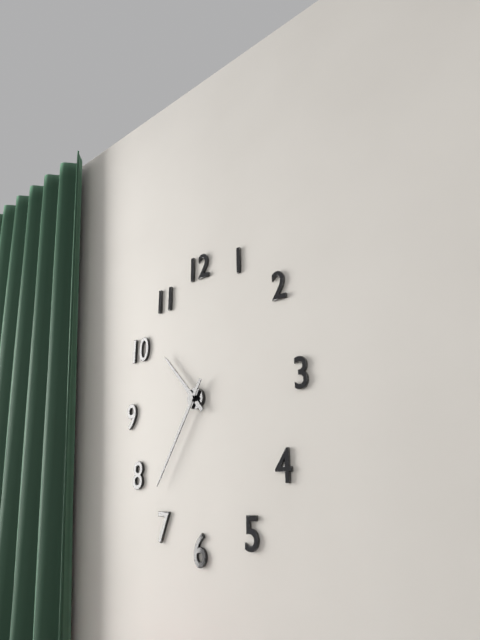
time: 10:35
